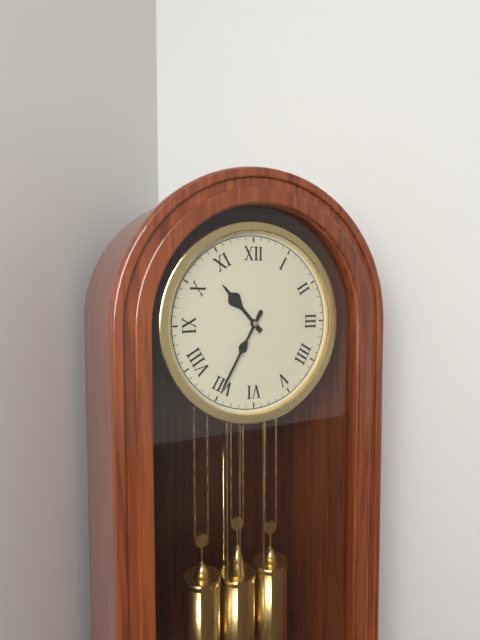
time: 10:35
